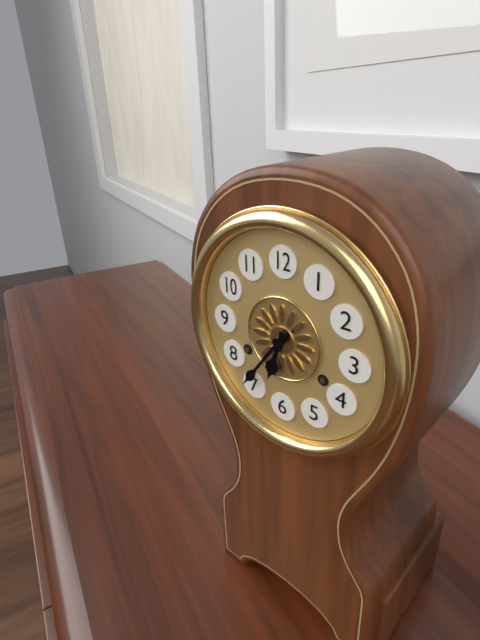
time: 6:36
